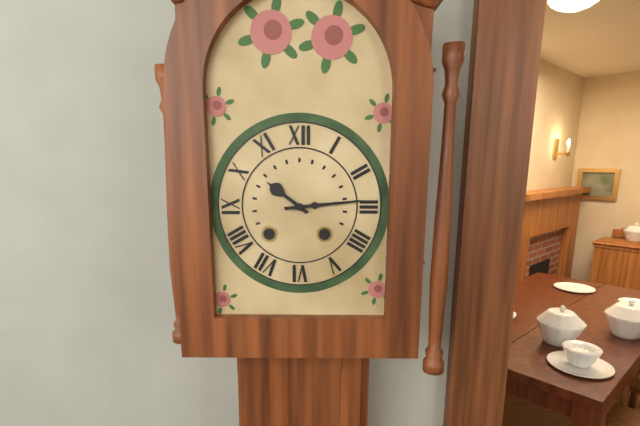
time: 10:14
